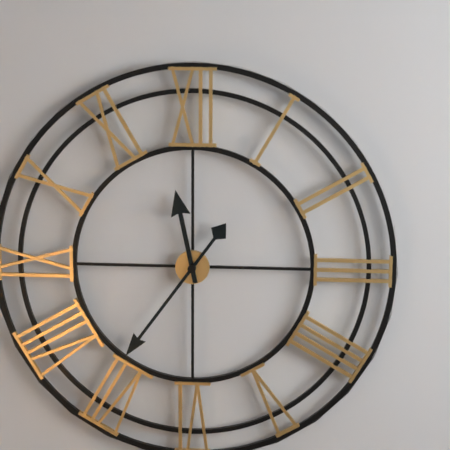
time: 11:36
